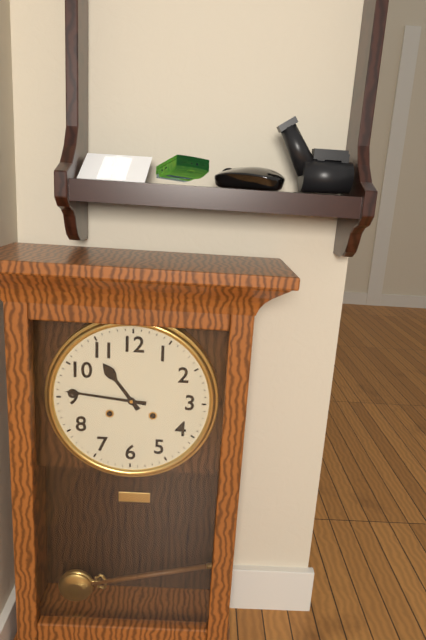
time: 10:46
